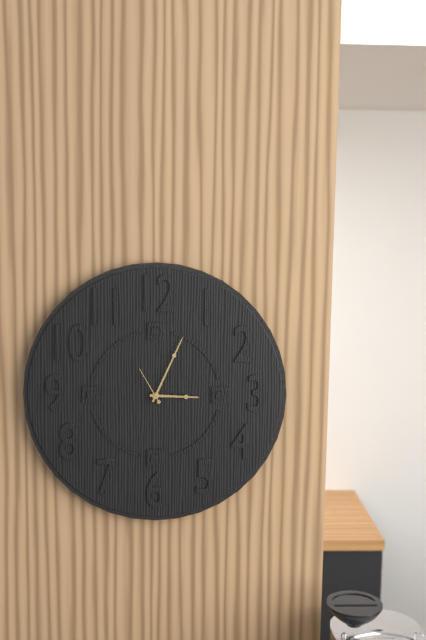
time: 3:04
